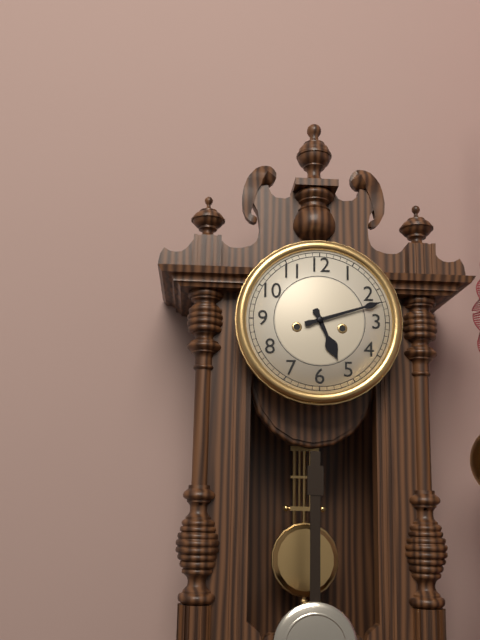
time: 5:12
